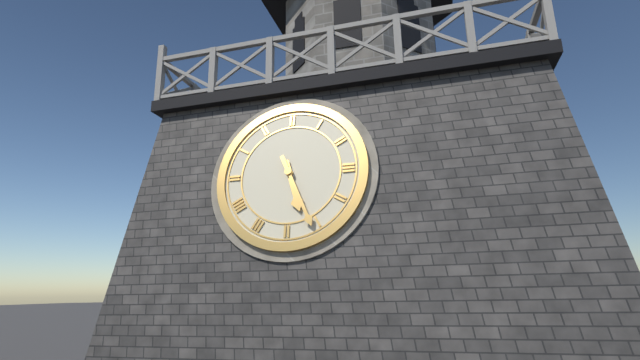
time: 5:26
